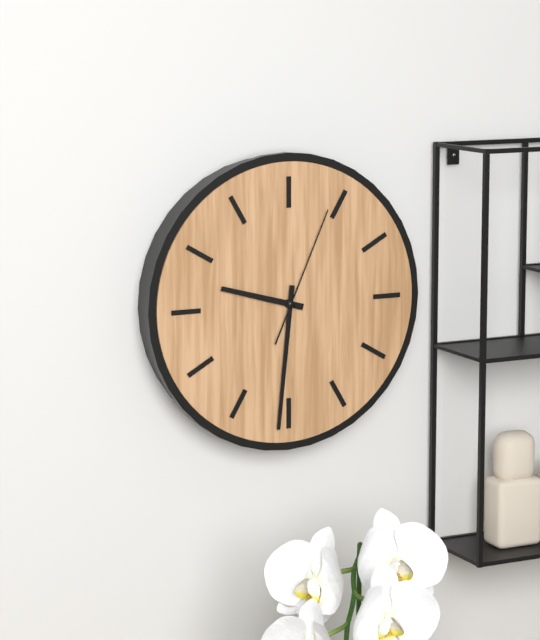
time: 9:31:04
